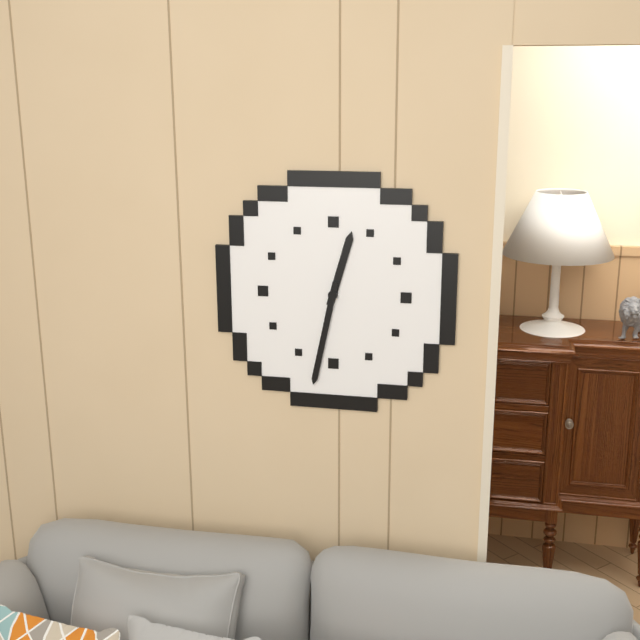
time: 12:32
